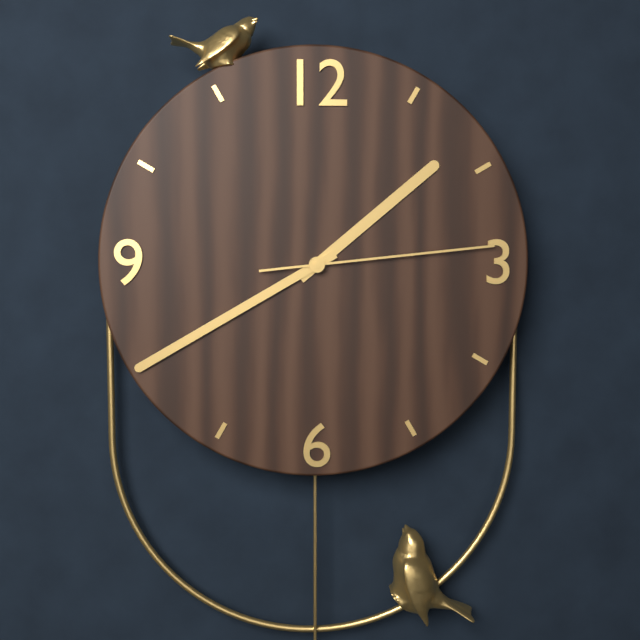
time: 1:40:14
